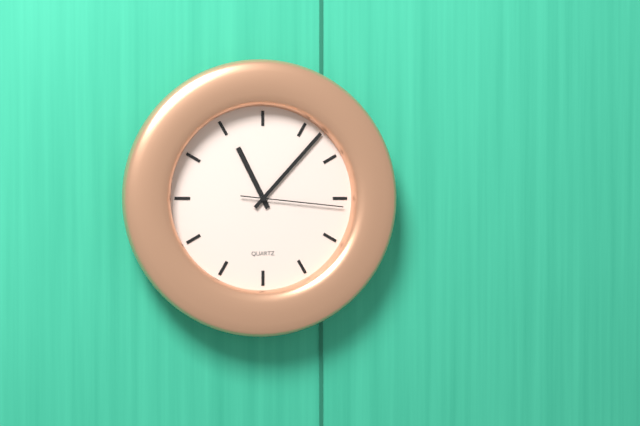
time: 11:07:16
